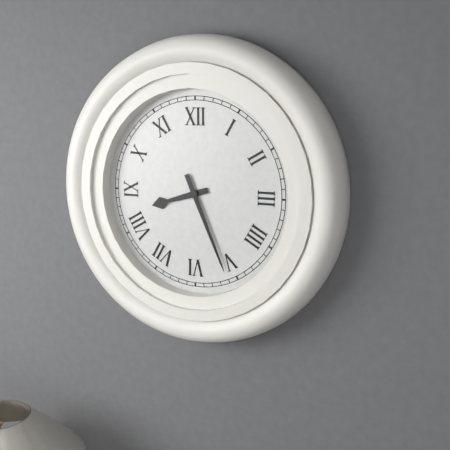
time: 8:26
